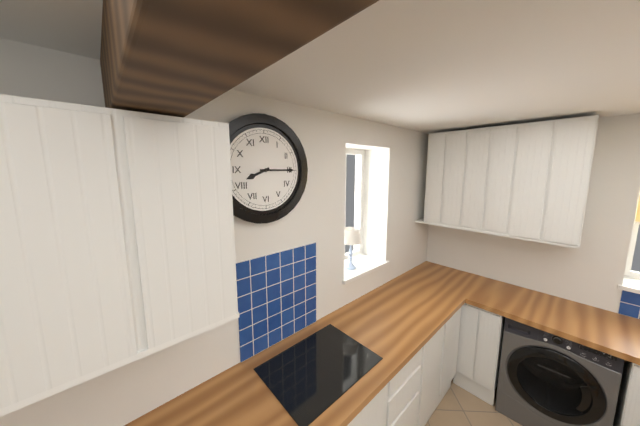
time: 8:15
